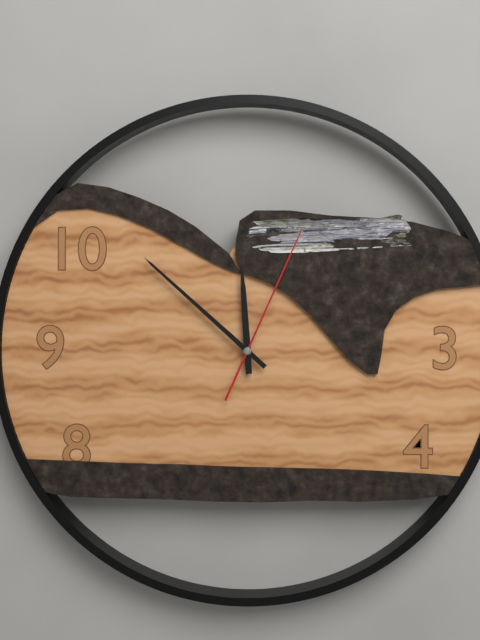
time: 11:52:04
